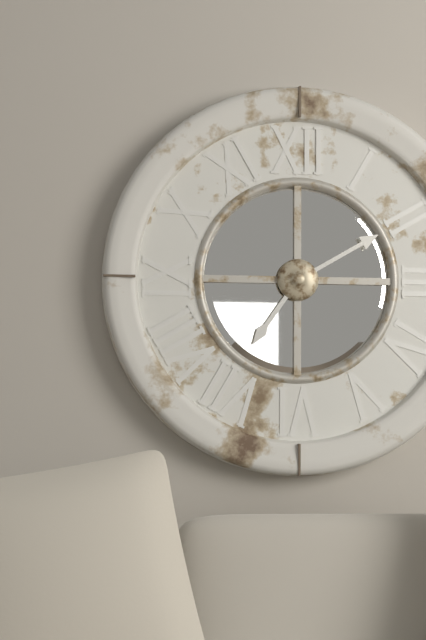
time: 7:10
